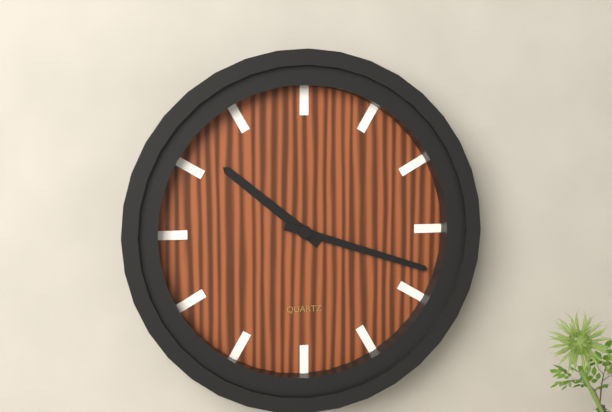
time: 10:18
